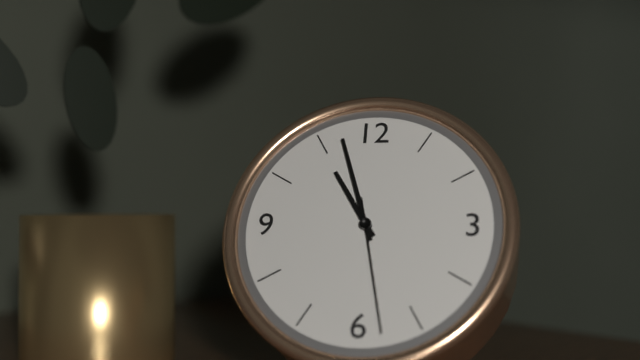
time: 10:57:28
